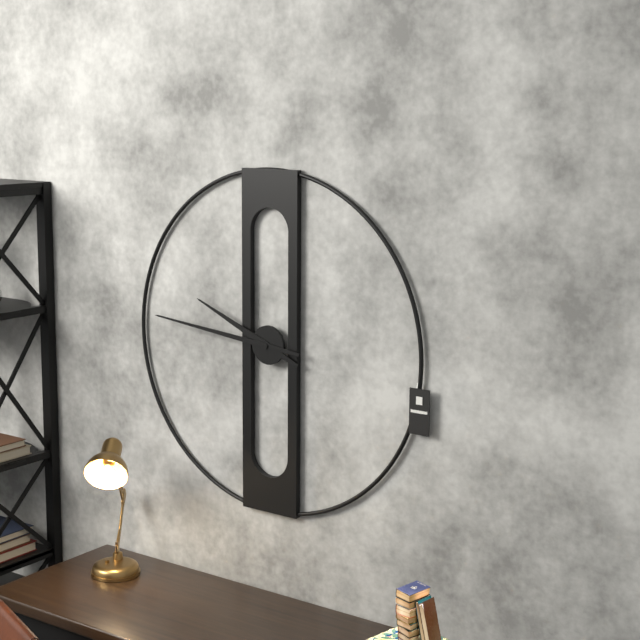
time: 9:46
